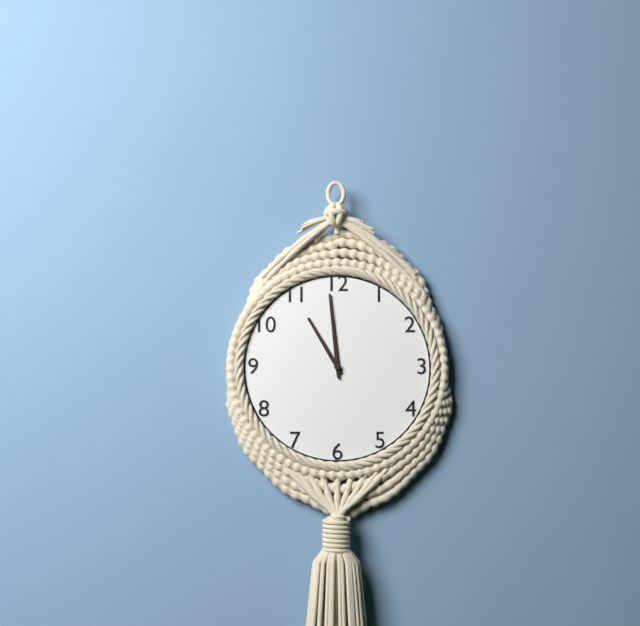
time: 10:59
